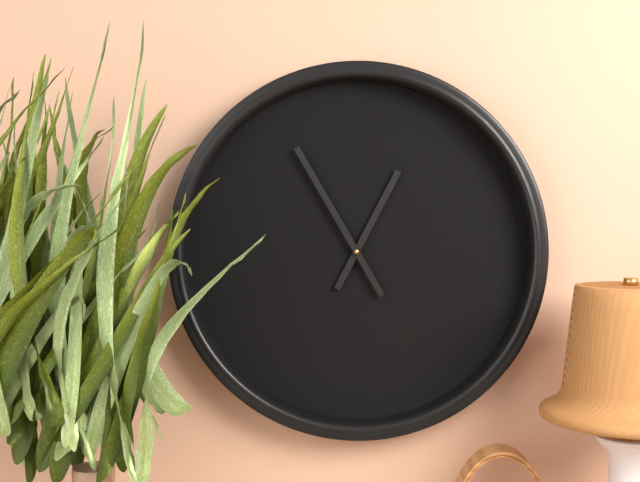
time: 12:55
